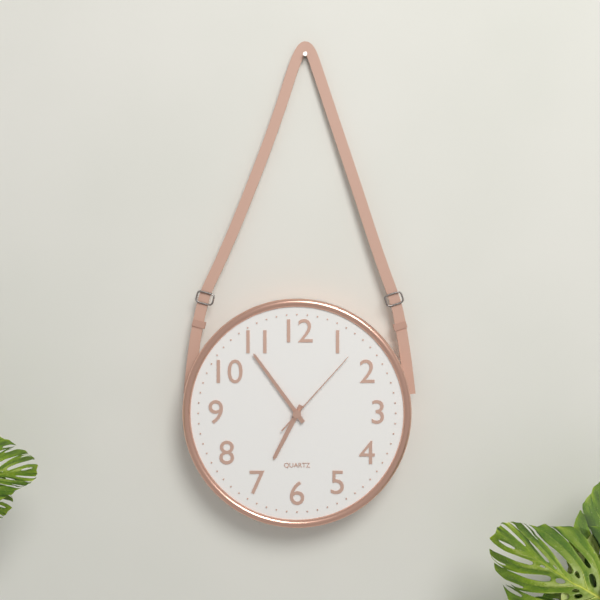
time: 6:54:07
